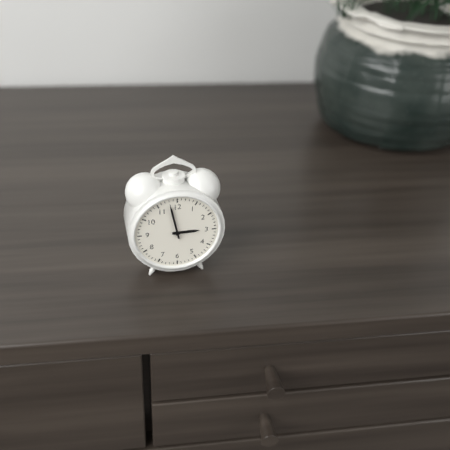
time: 2:58
